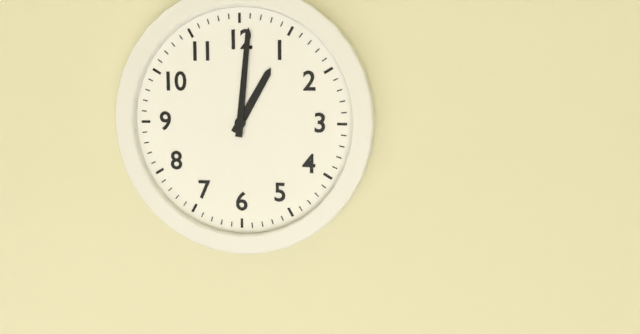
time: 1:01
